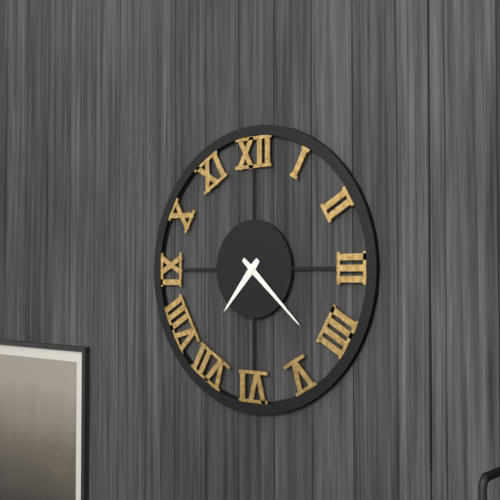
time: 7:22
